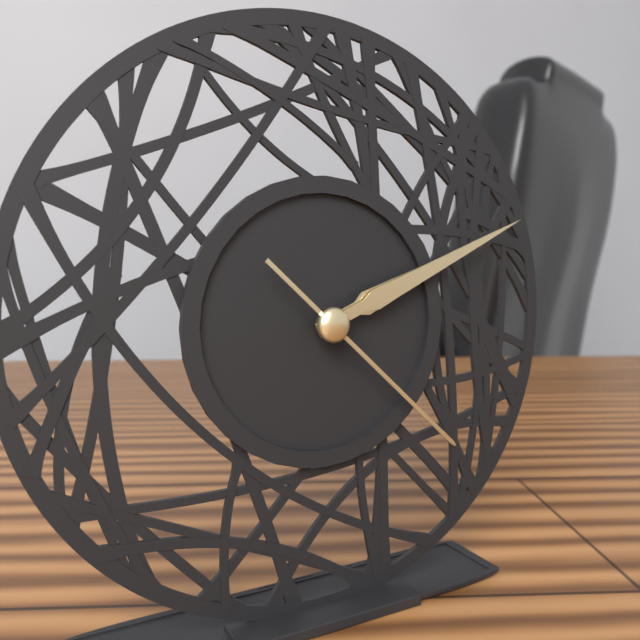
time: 2:11:22
